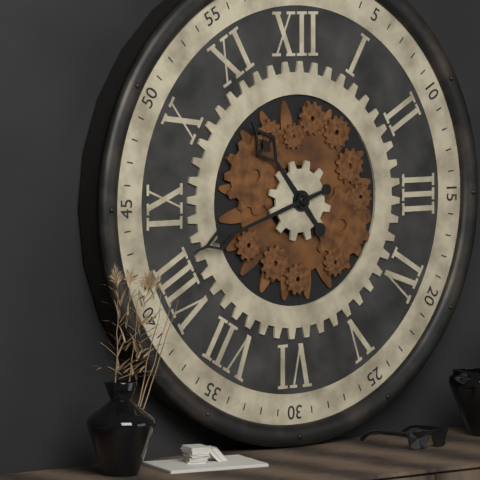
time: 10:42
